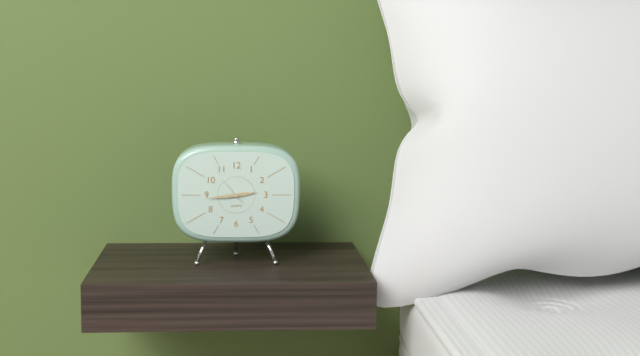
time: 2:44
